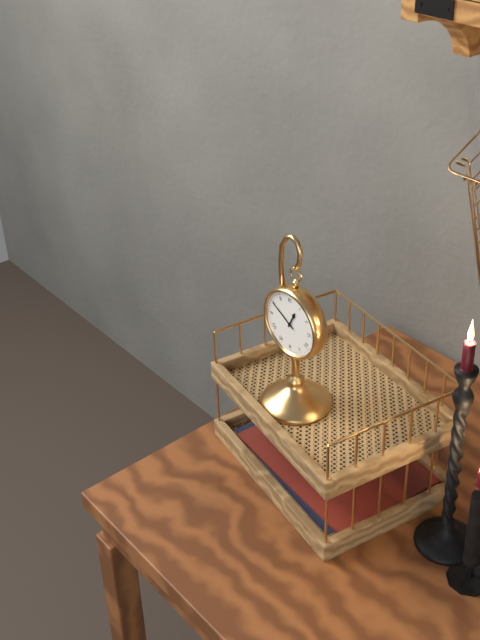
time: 12:50
